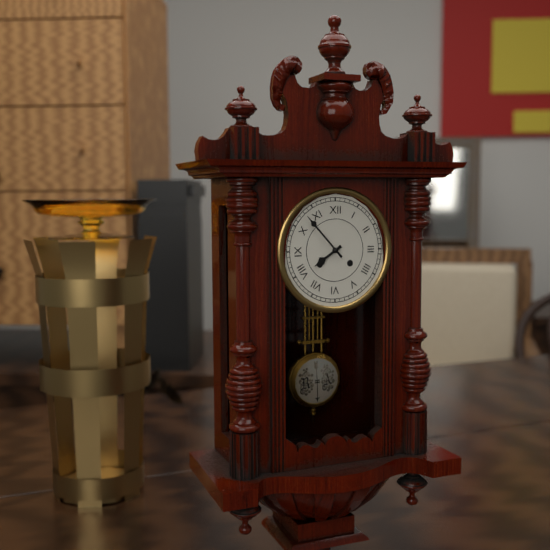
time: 7:53
